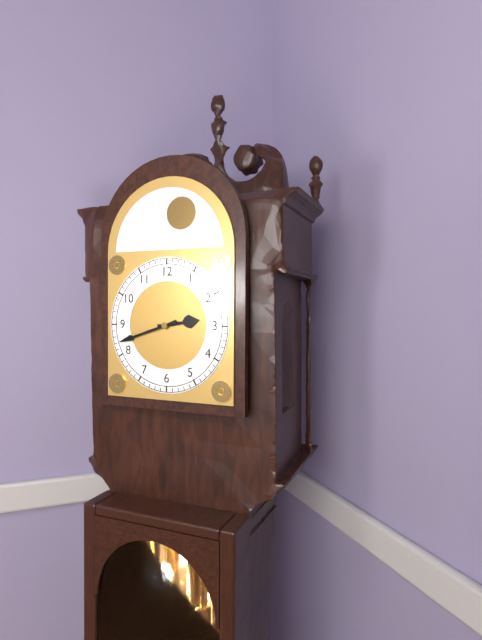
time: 2:42
